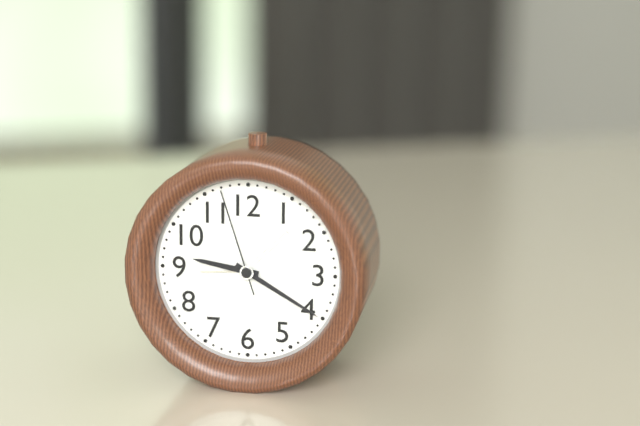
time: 9:20:57
